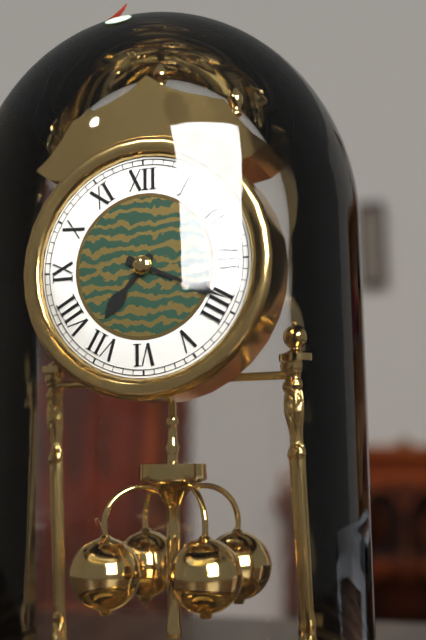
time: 7:19
